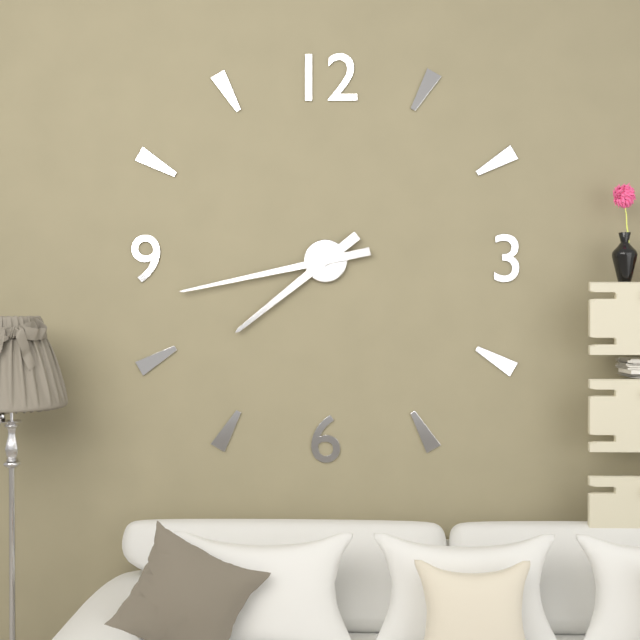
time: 7:43
